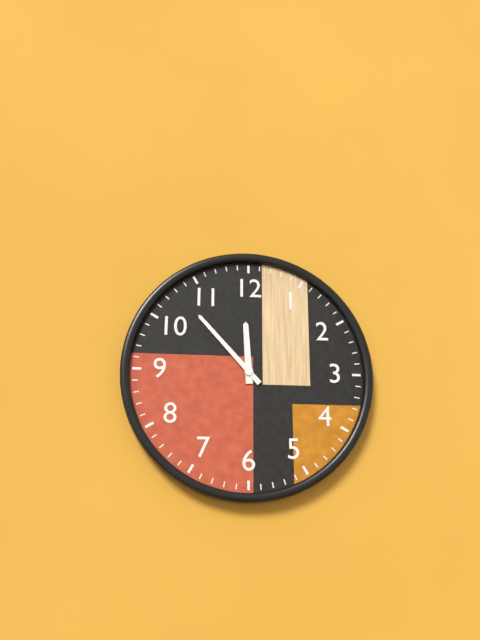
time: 11:53
